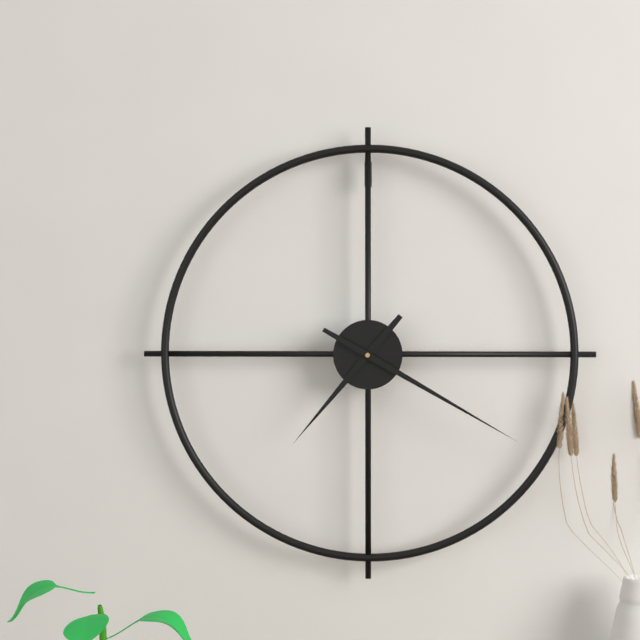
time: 7:20
